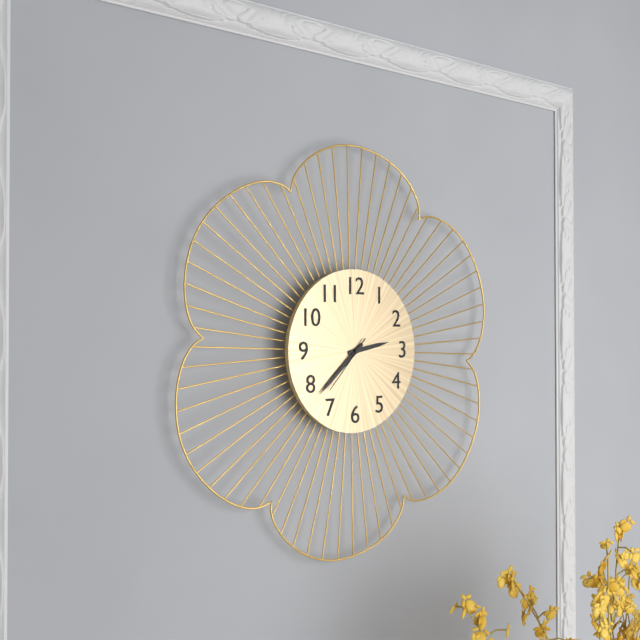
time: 2:38:37
